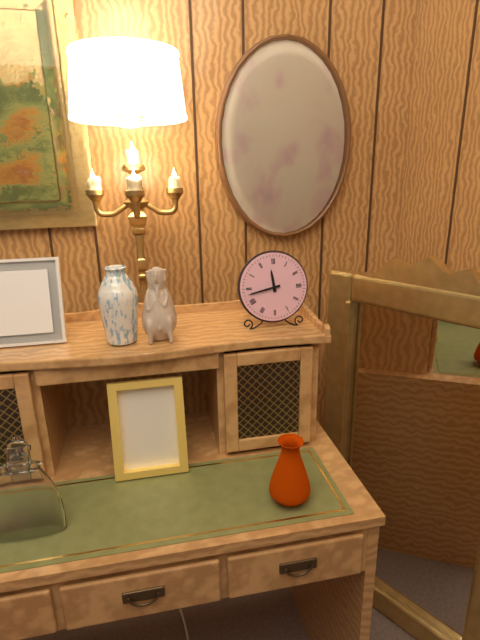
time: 11:43
